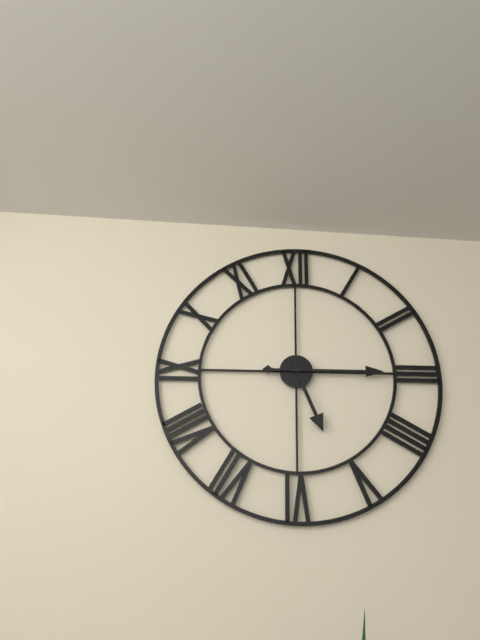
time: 5:15
